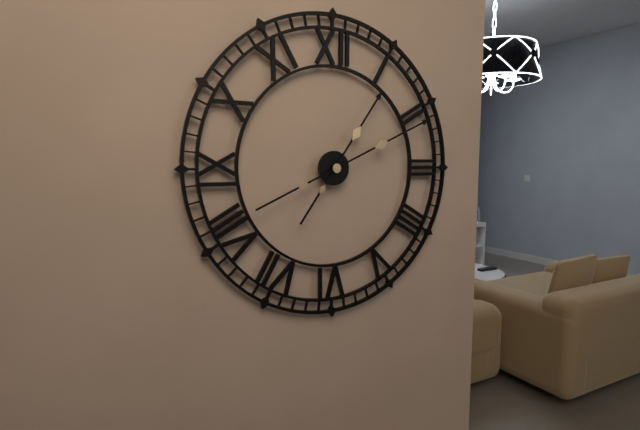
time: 1:11
